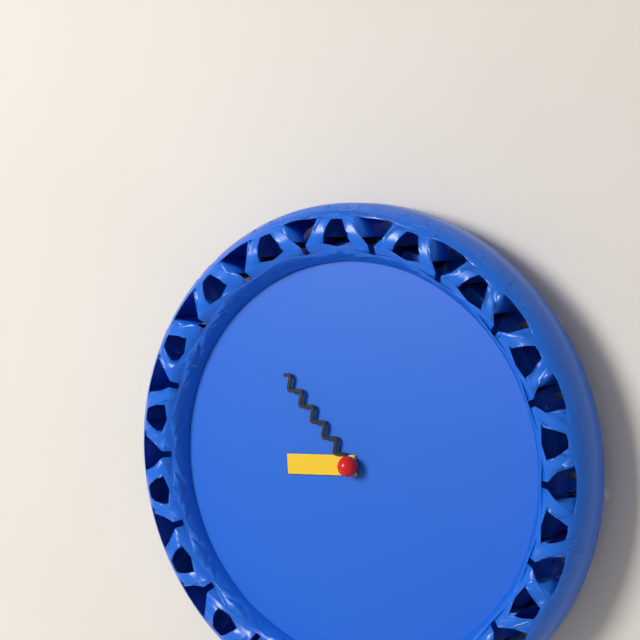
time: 8:53
